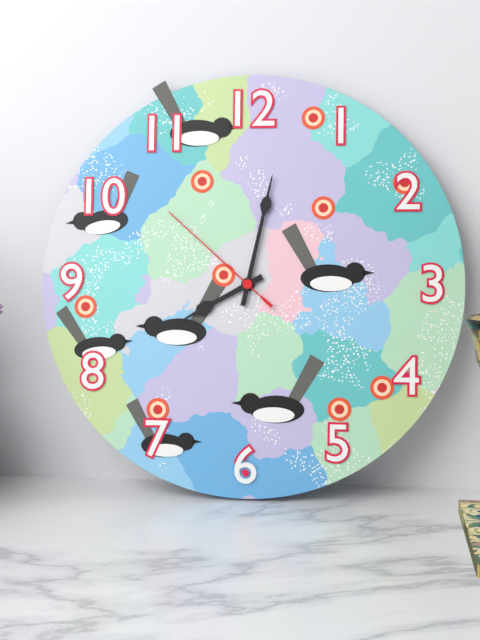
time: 8:02:52
